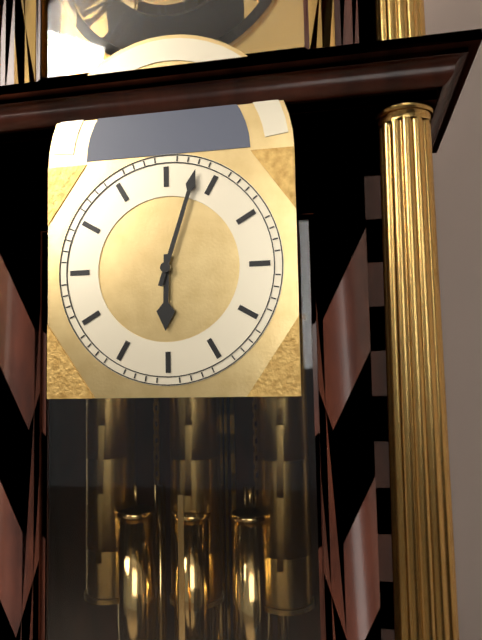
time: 6:03
